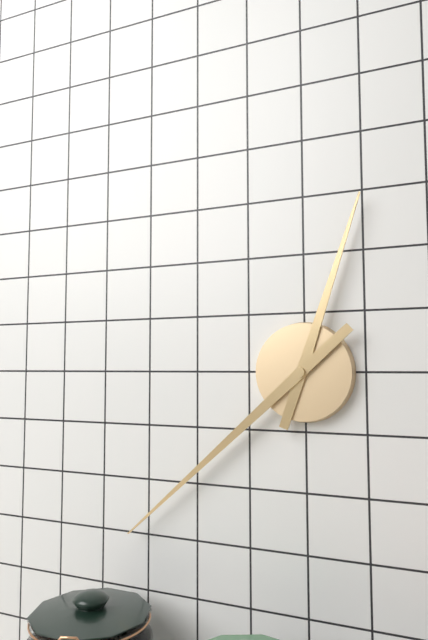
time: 12:38
